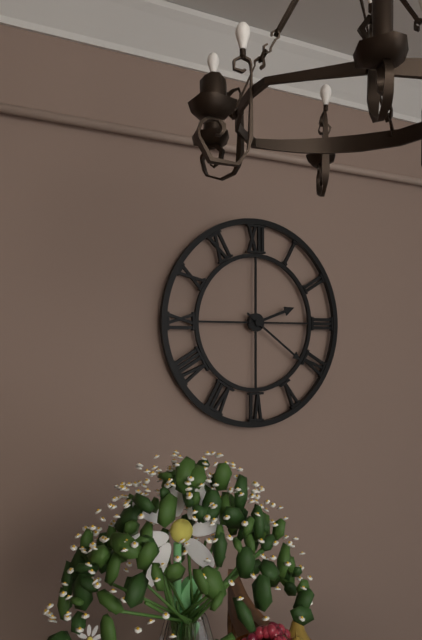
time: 2:21
